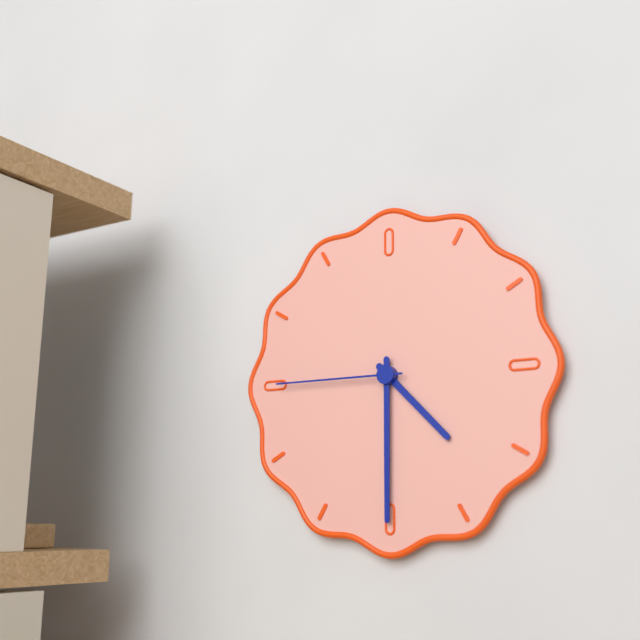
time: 4:30:45
